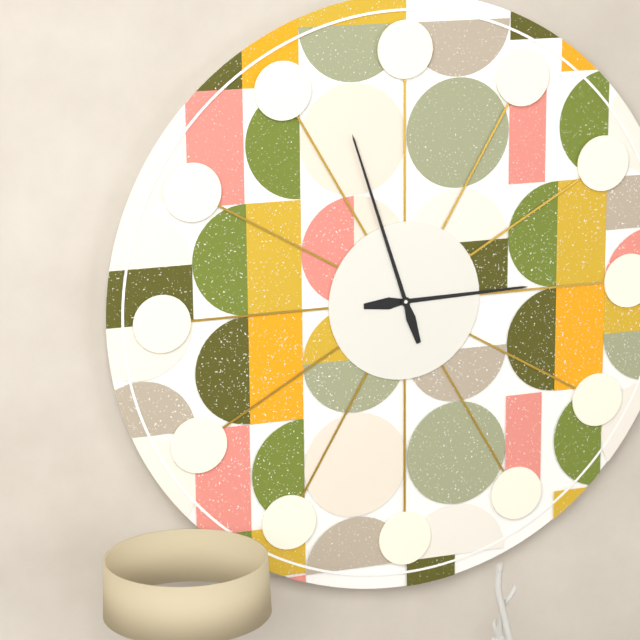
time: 2:57
